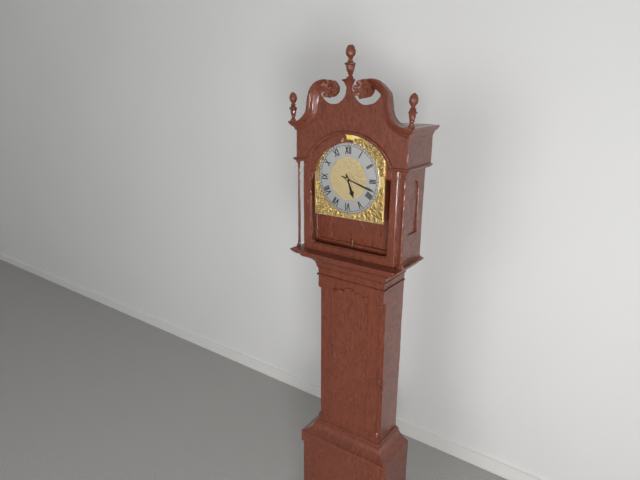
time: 5:18
